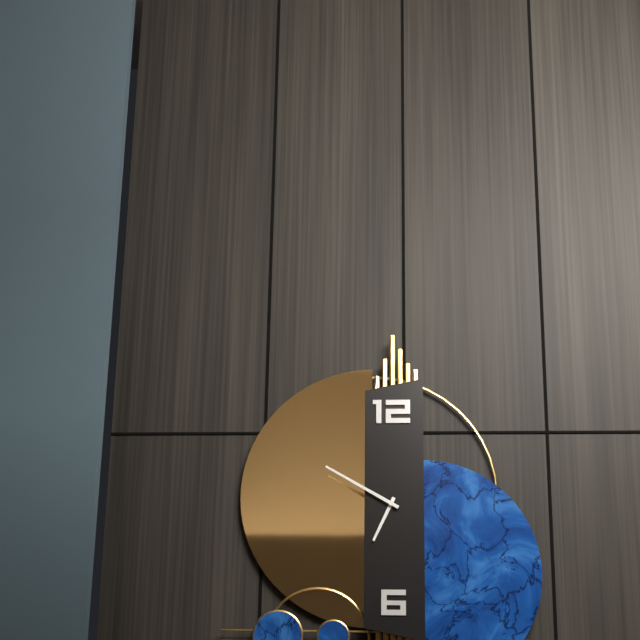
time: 6:50
